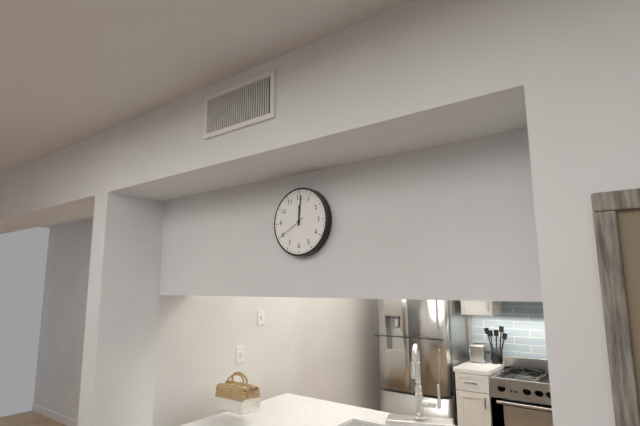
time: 12:01
